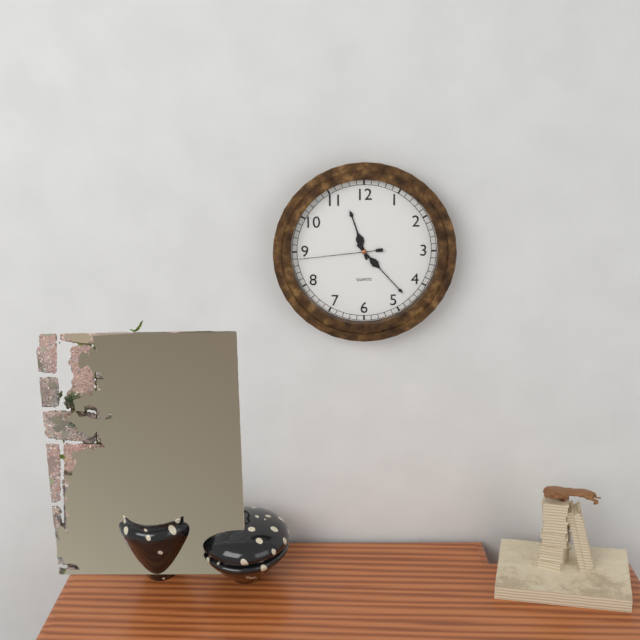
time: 11:23:44
